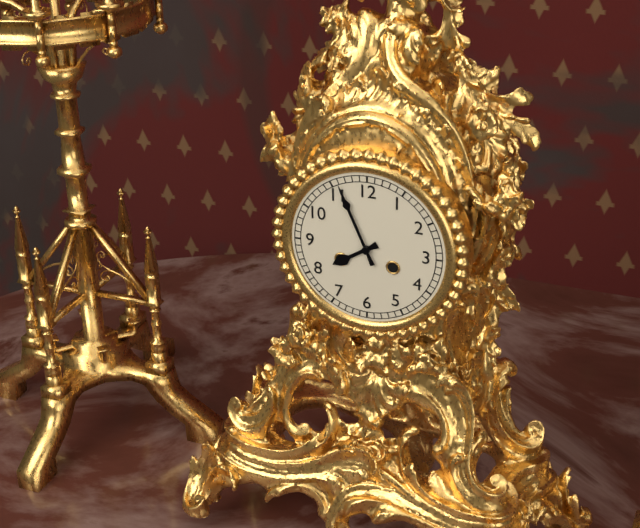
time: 7:56
